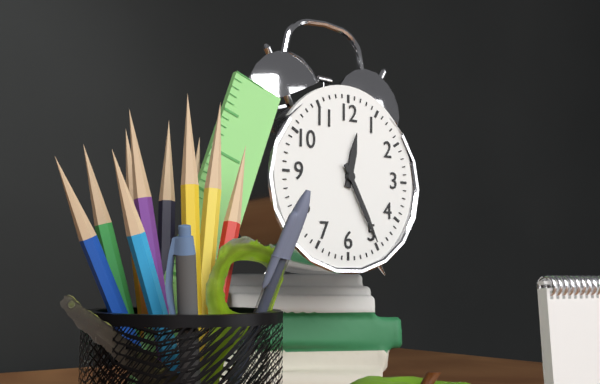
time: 12:25
